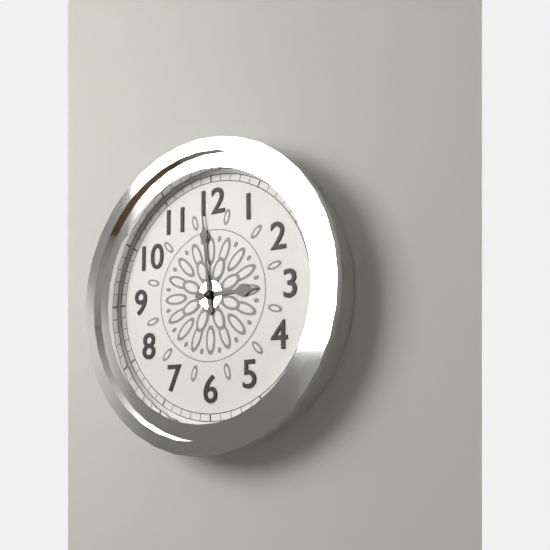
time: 2:59
